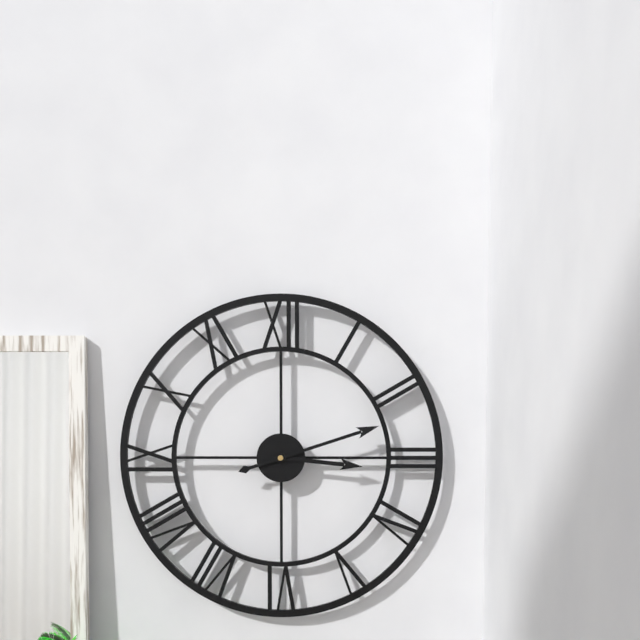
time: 3:12
